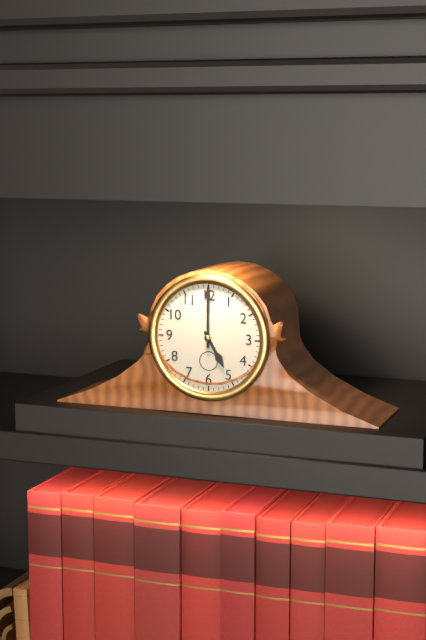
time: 5:00
